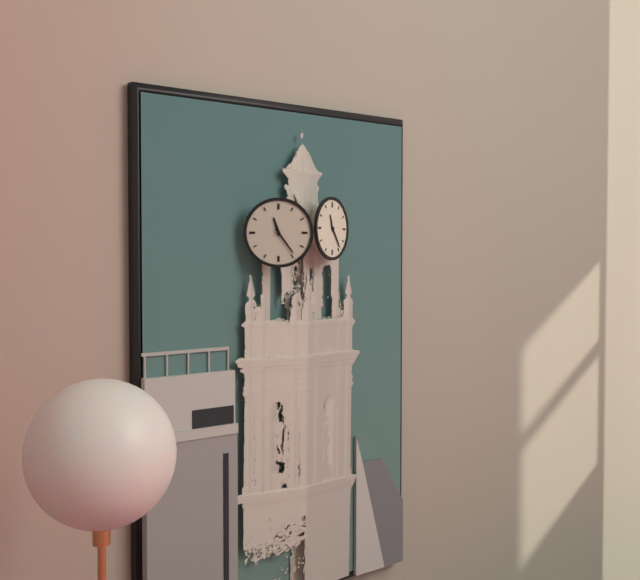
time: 11:24
